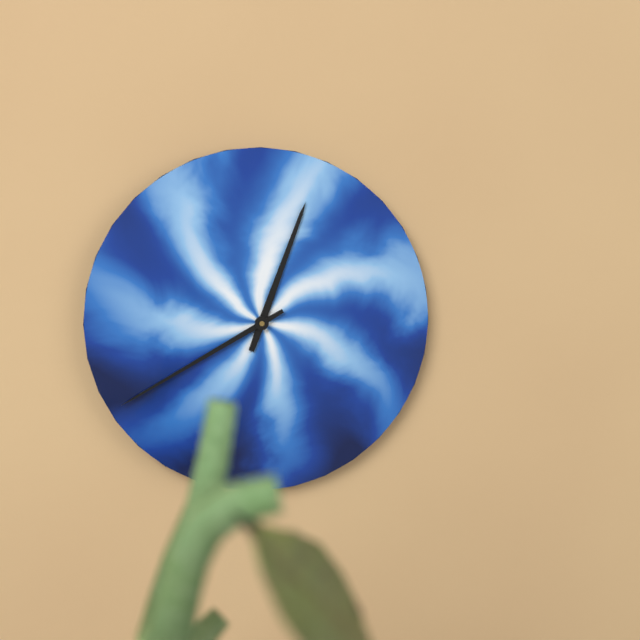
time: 12:40
